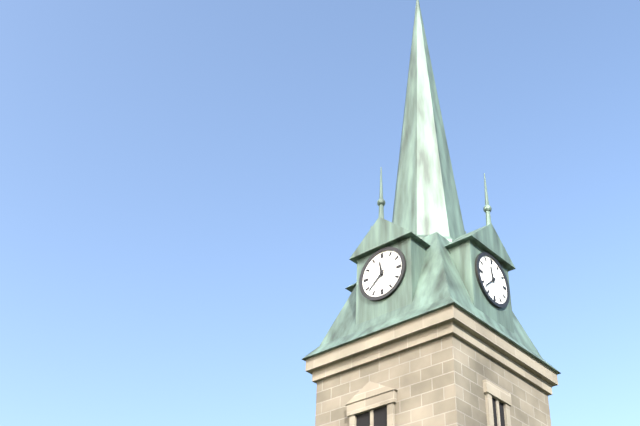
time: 11:38
